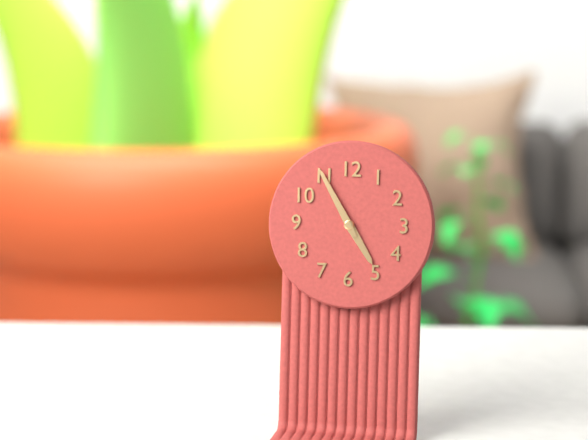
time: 4:55
